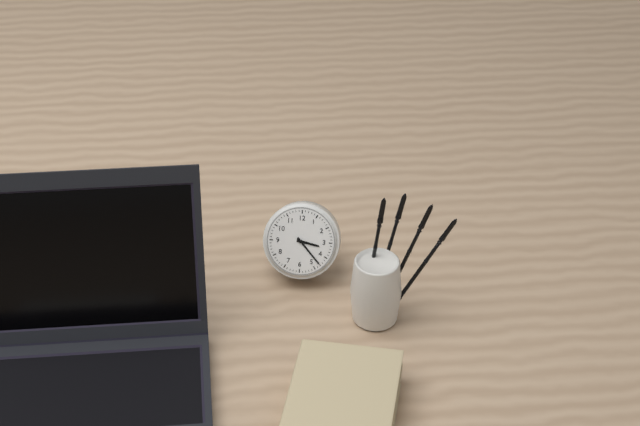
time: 3:23
